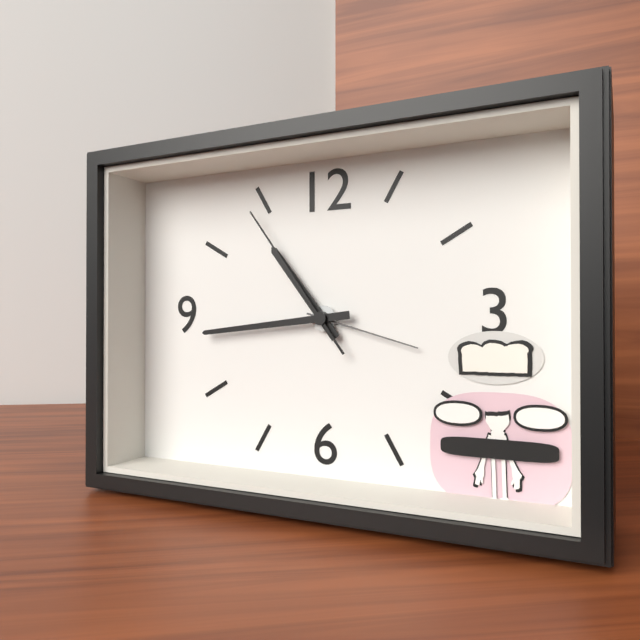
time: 10:44:54
